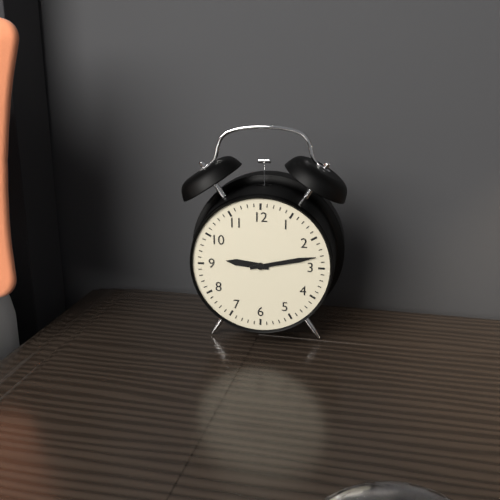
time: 9:13
